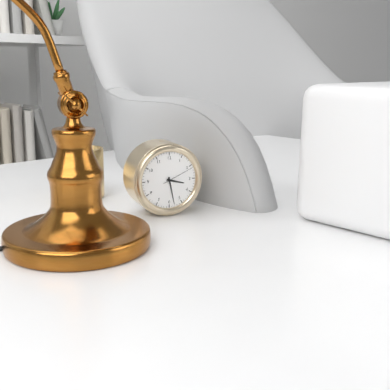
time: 3:28
